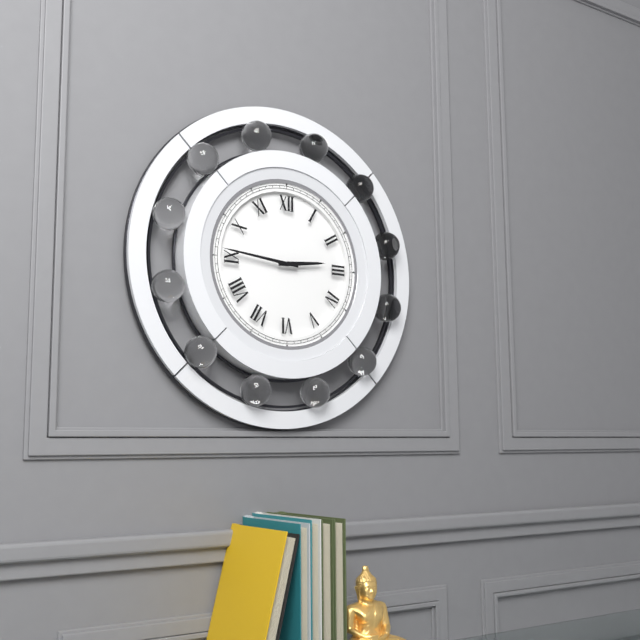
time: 2:46
